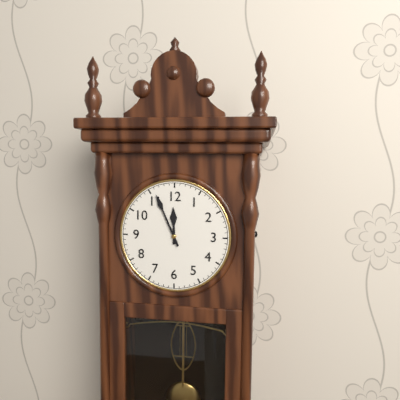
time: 11:56
